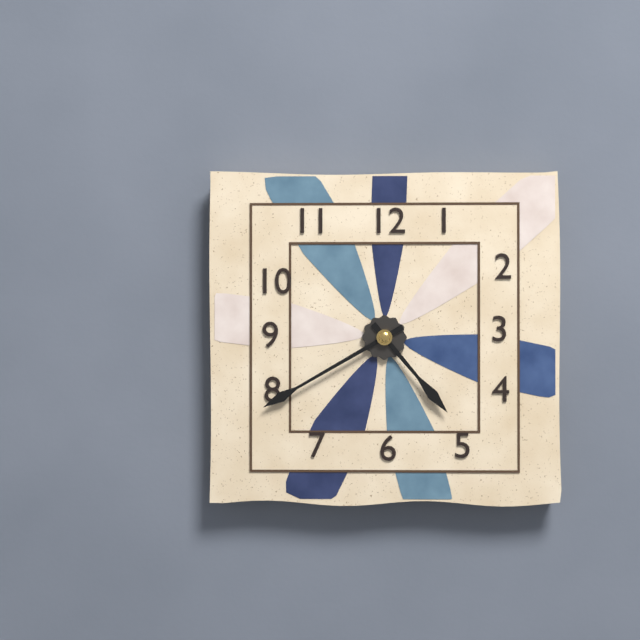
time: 4:40
